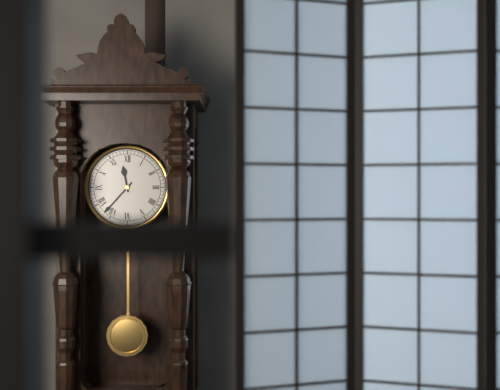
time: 11:37
